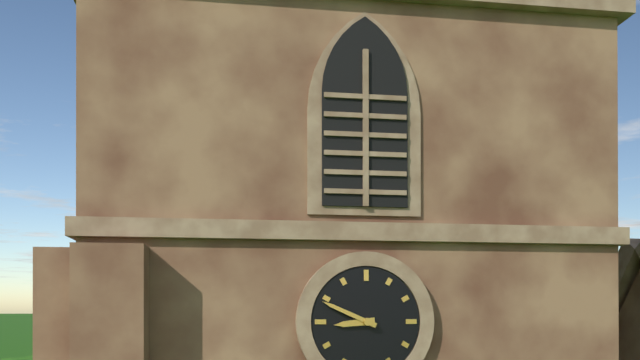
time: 8:49
